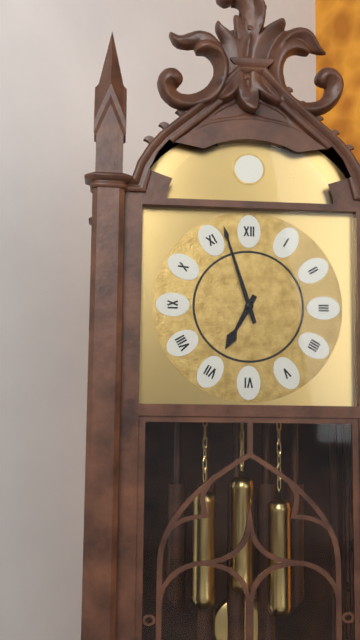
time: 6:57
